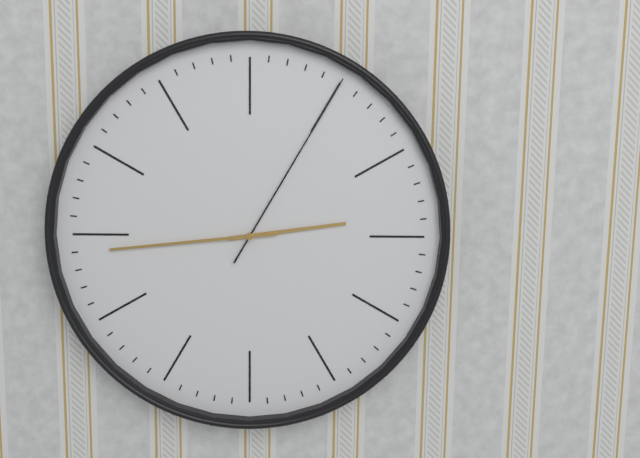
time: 2:44:05
